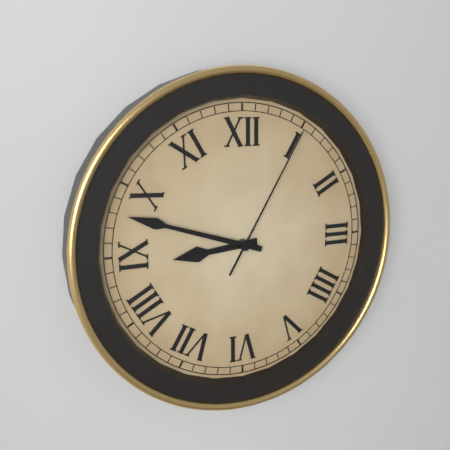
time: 8:48:05
